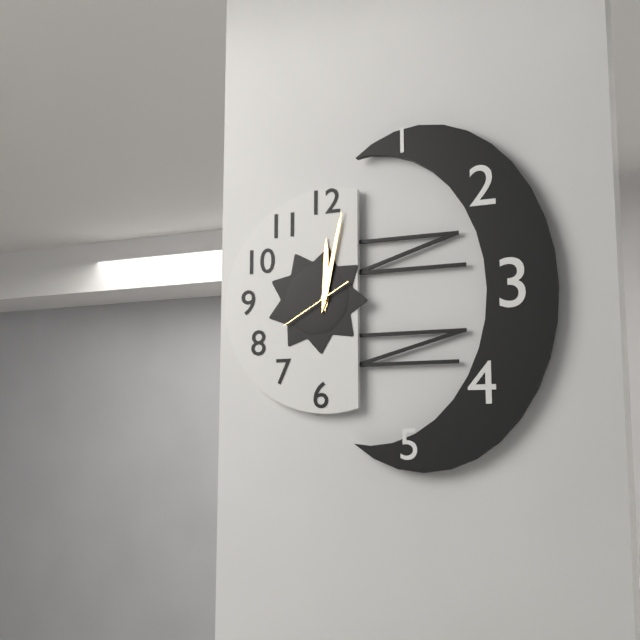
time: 12:02:40
